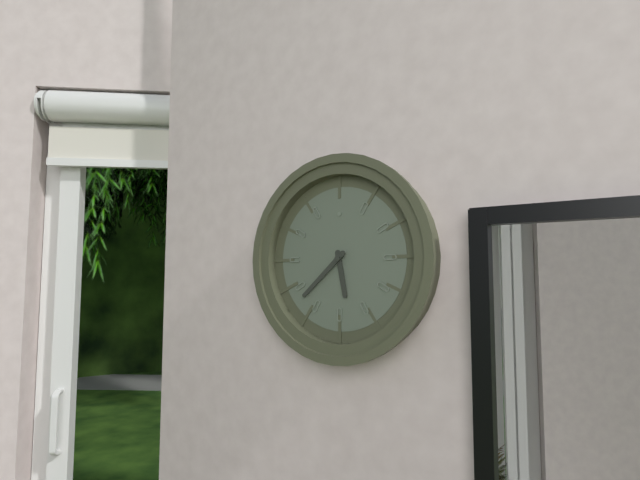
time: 5:38
